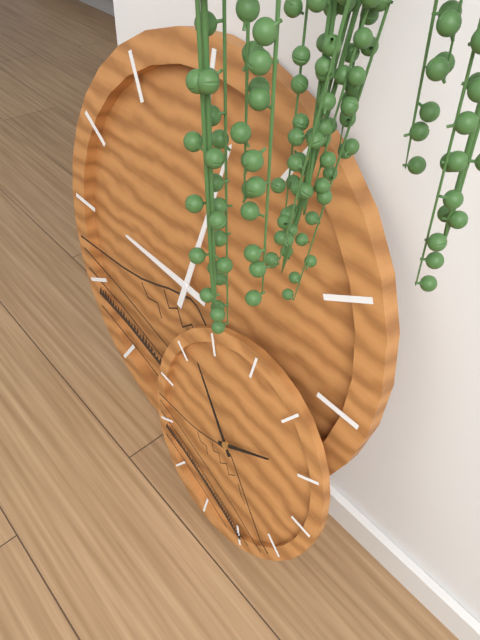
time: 9:02
